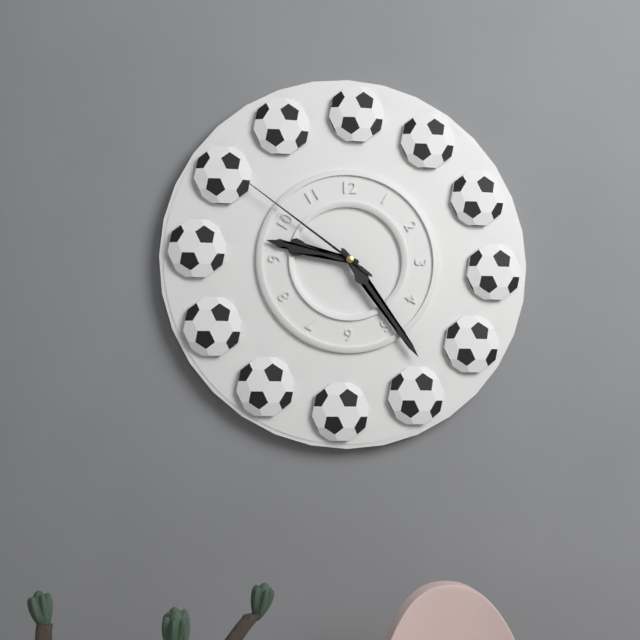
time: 9:24:51
